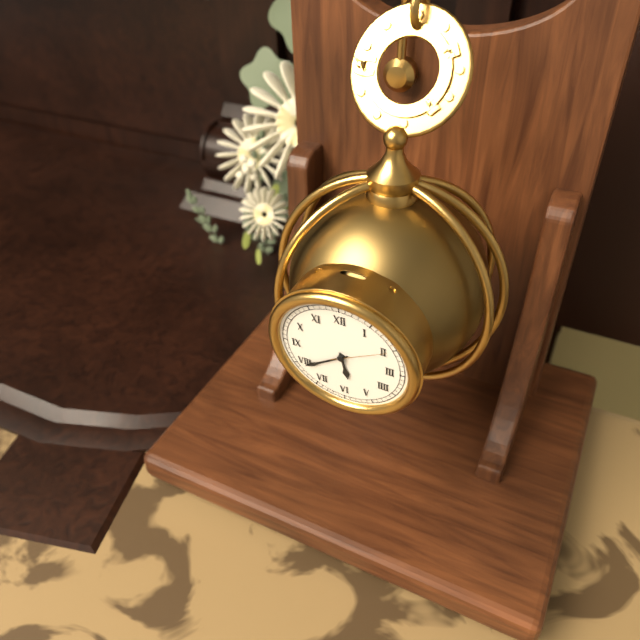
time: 5:39:10
